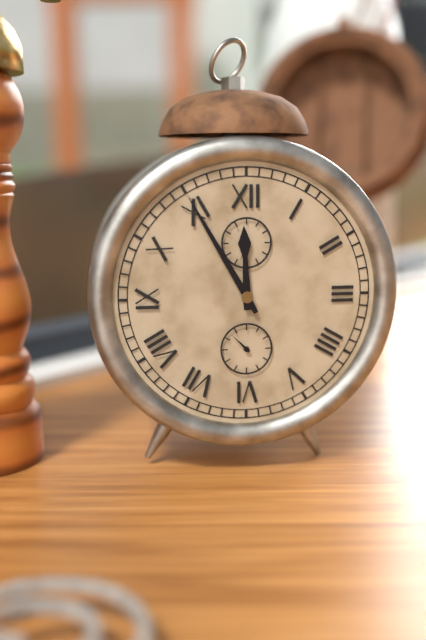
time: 11:55
